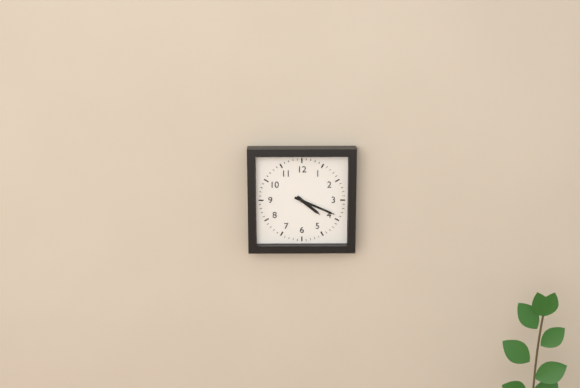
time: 4:19
